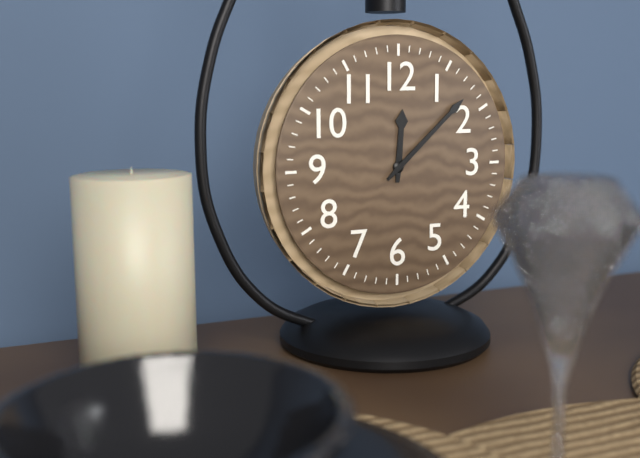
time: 12:08
